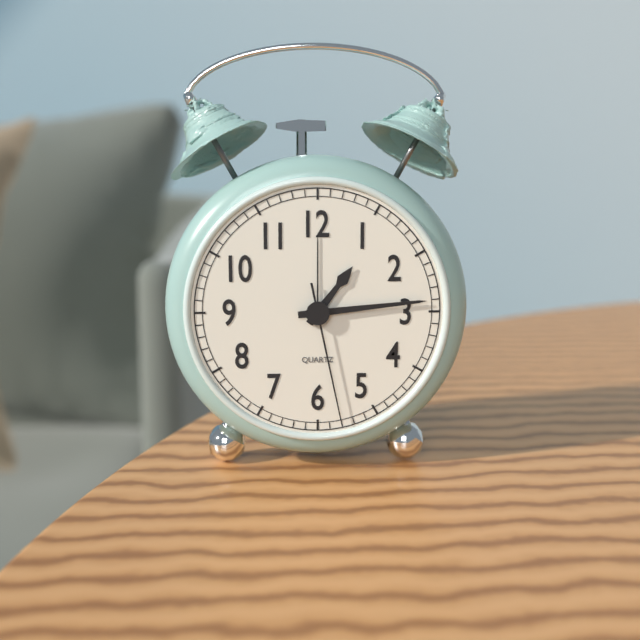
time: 1:14:28
